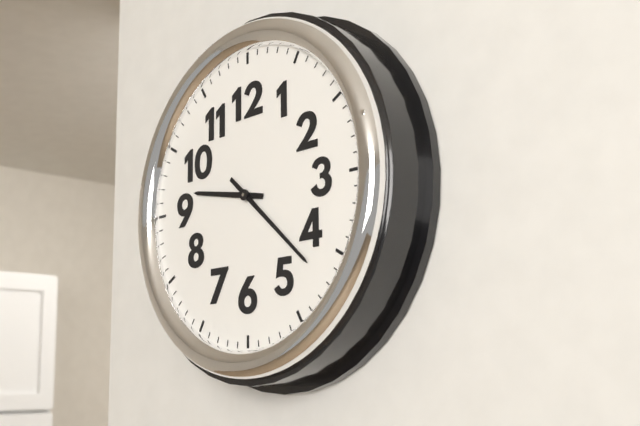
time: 9:22
